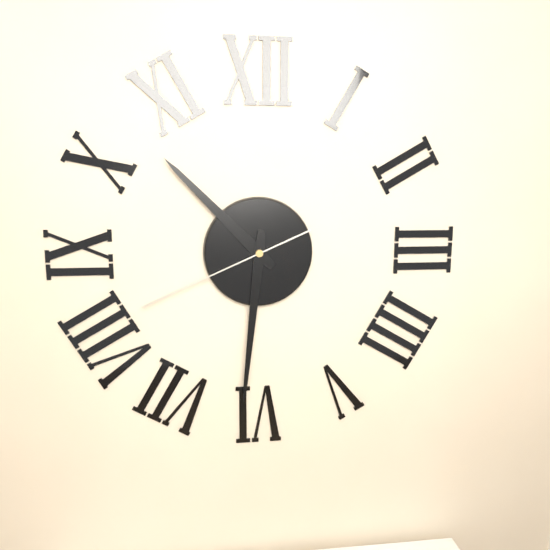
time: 10:31:41
